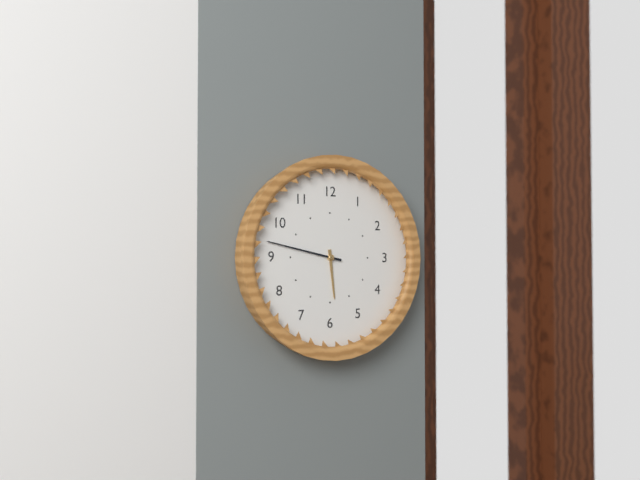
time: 5:47
